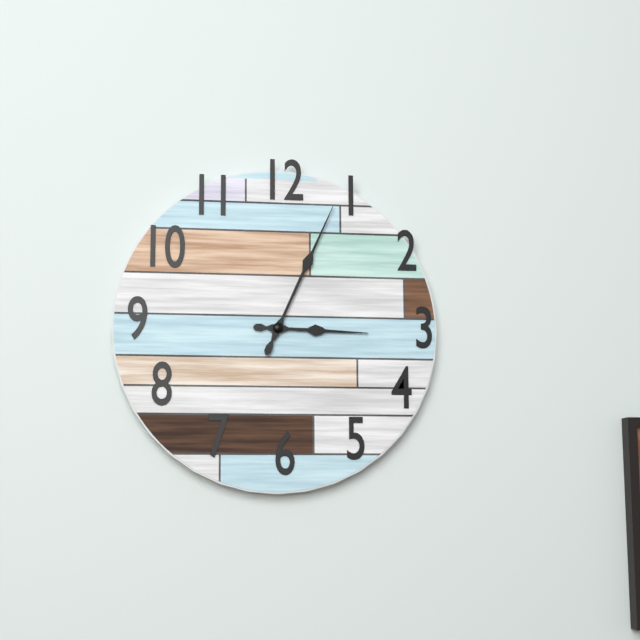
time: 3:04
